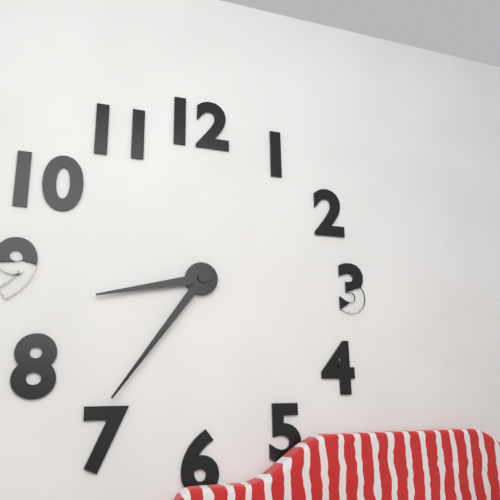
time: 8:36
